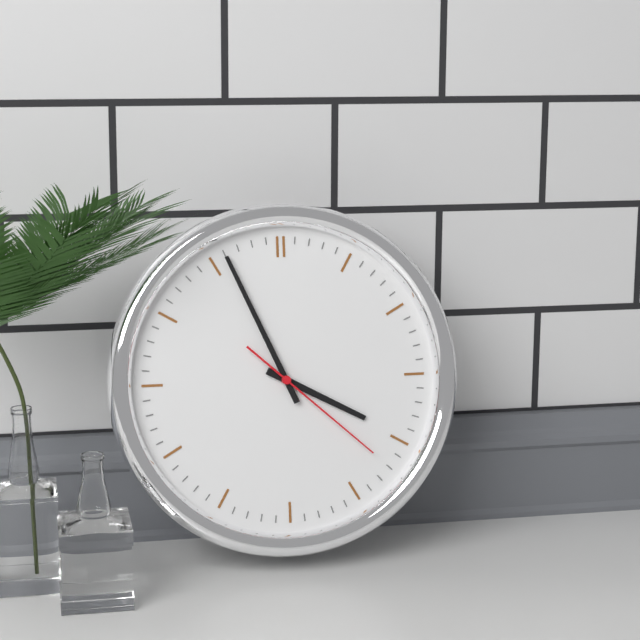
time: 3:56:22
